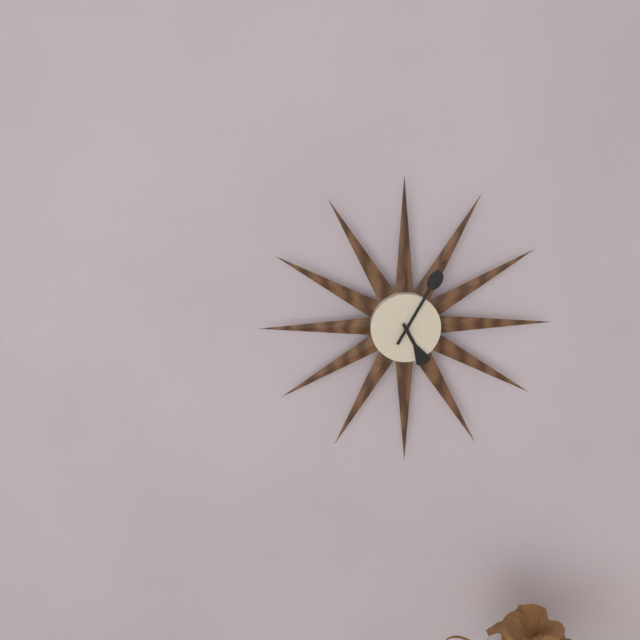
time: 5:05
